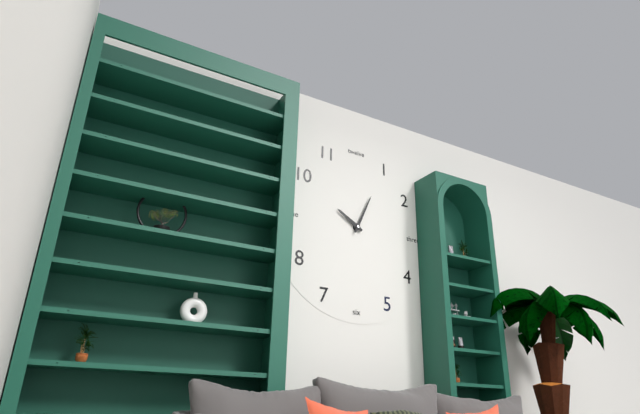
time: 10:04
